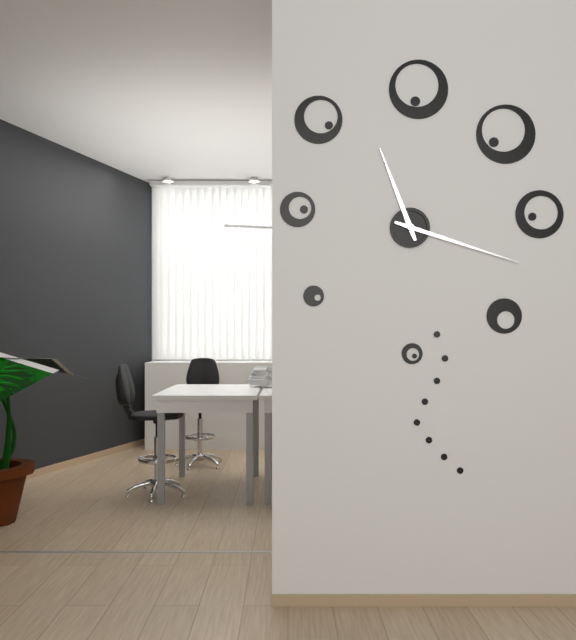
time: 11:18
